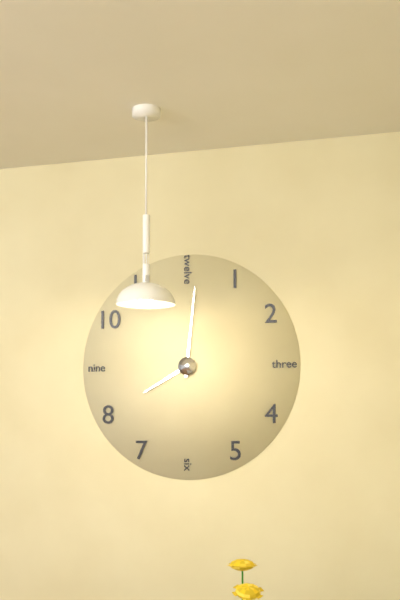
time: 8:01
